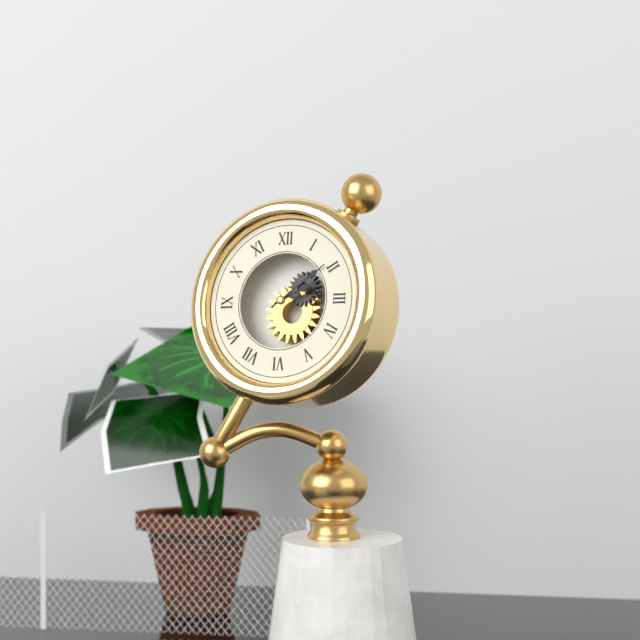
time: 2:09
